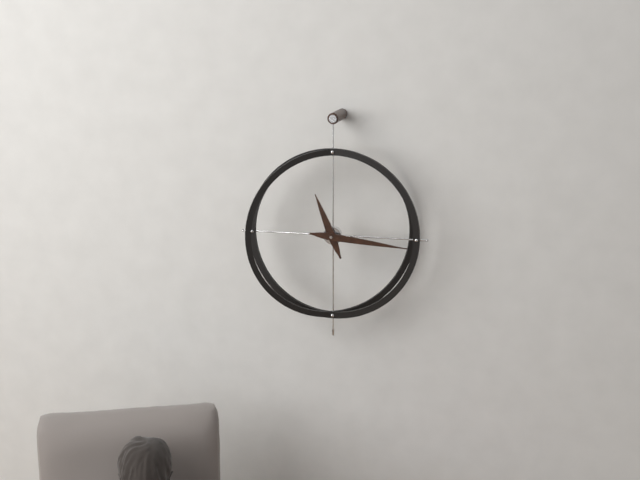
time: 11:16
